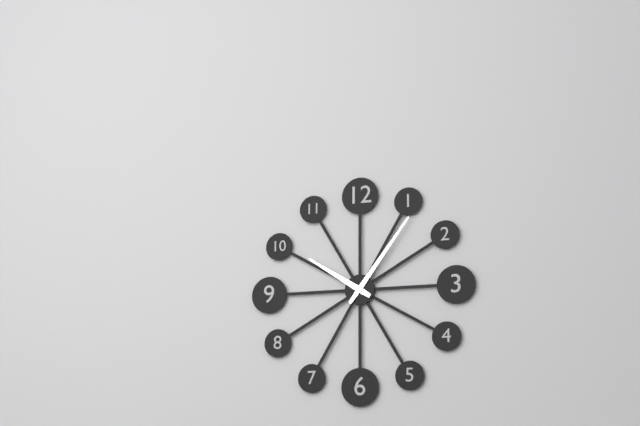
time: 10:06
